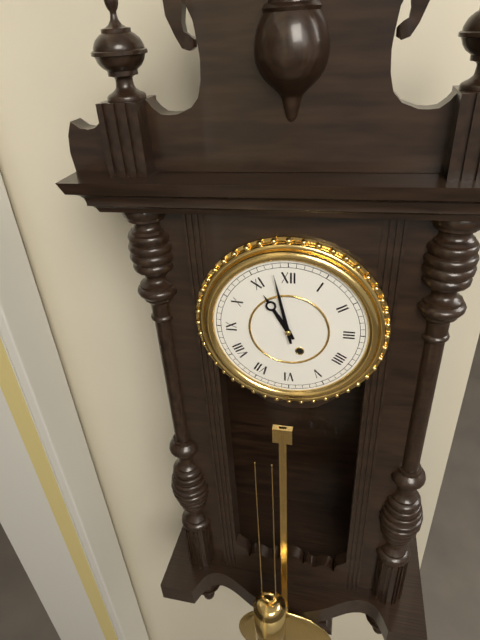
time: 10:58
